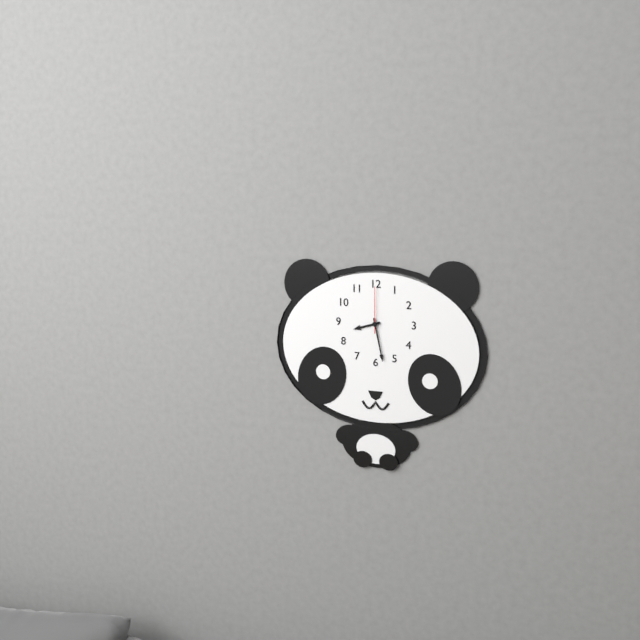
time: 8:28
